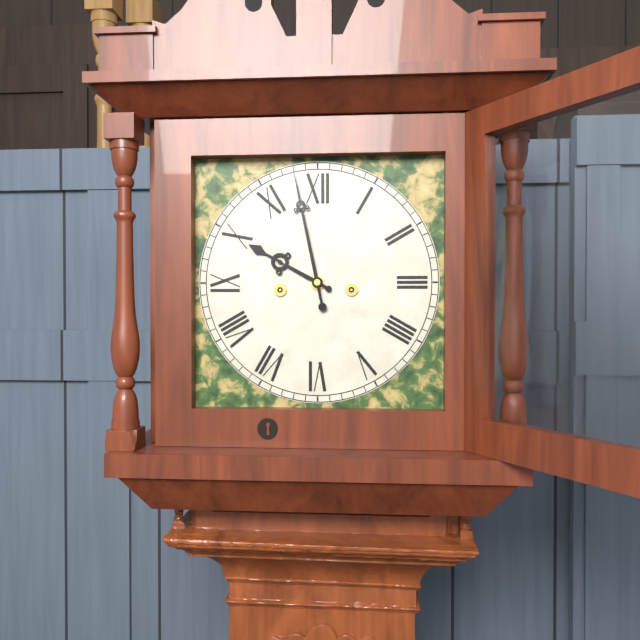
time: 9:58
